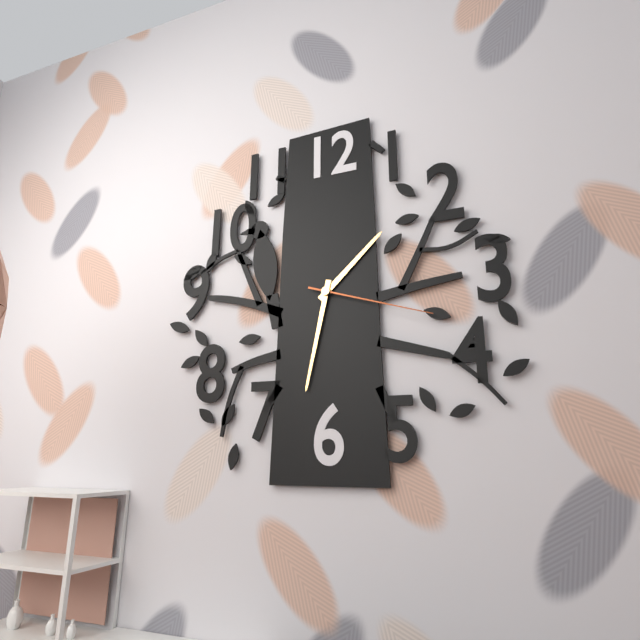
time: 1:32:18
